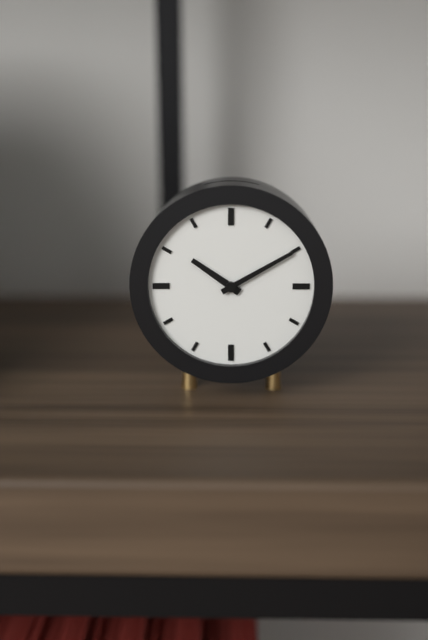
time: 10:10
